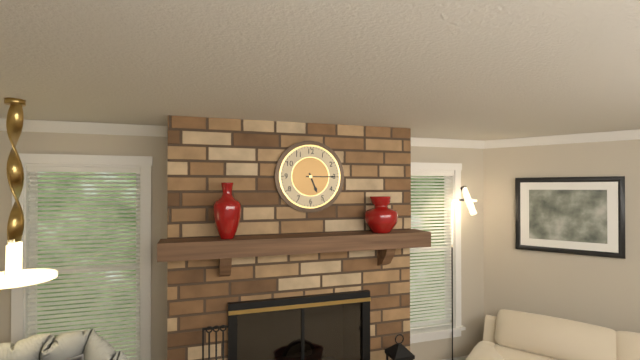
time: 5:15
